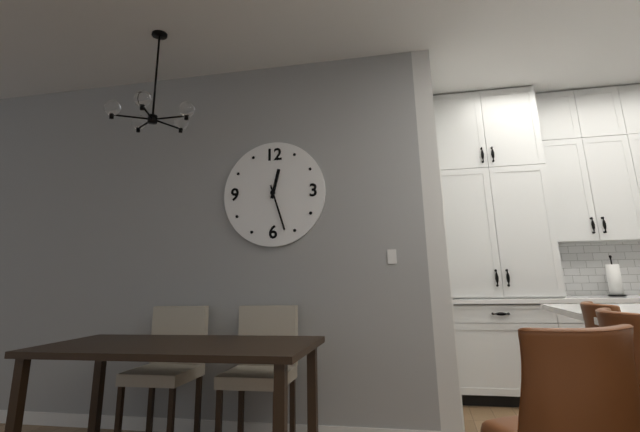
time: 12:27
